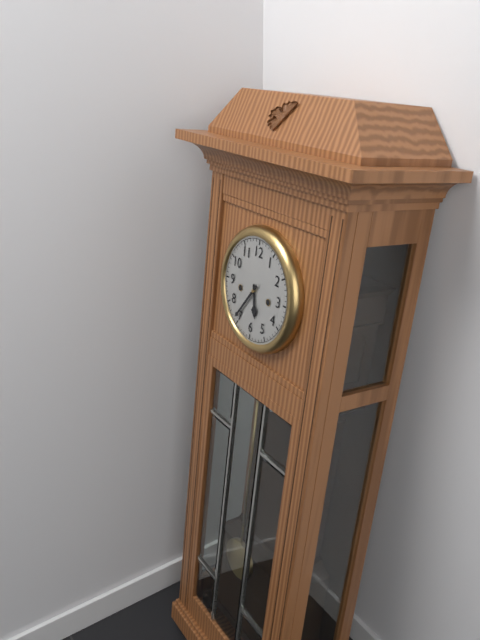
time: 5:36
